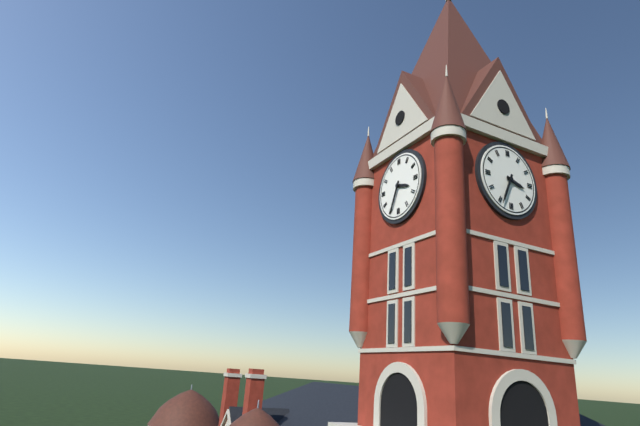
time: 3:34
